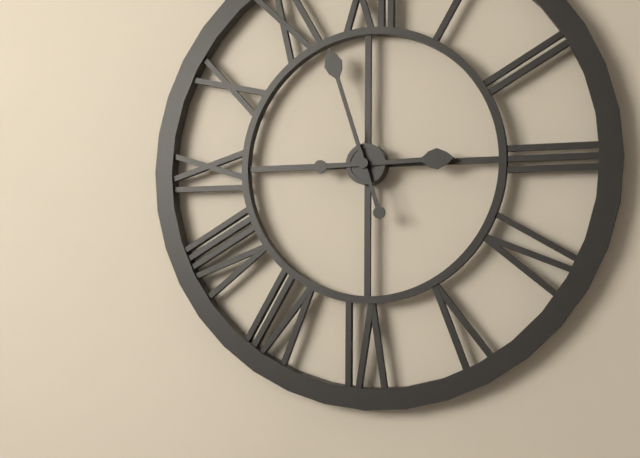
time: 2:57
